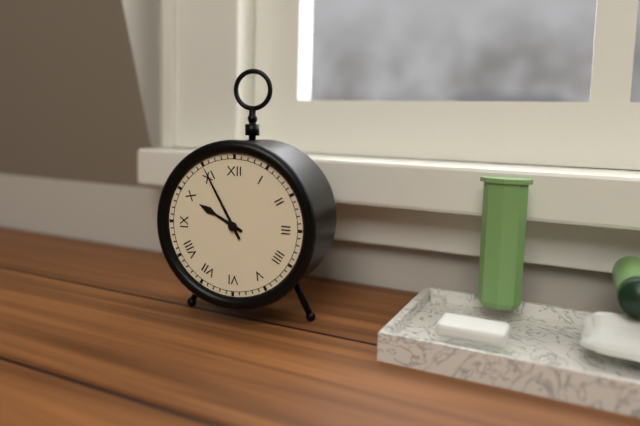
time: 9:55
